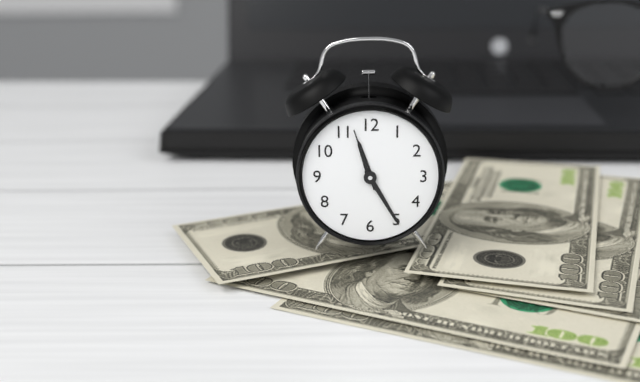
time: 11:25:57
